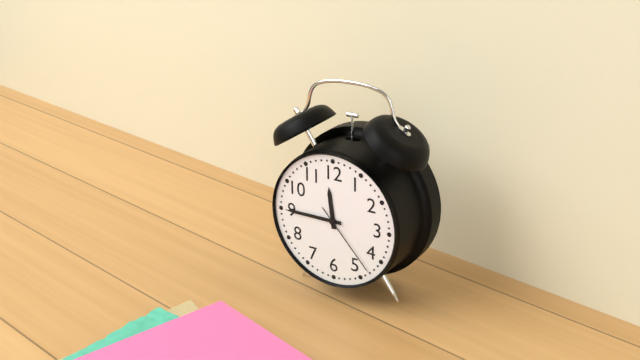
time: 11:45:23
